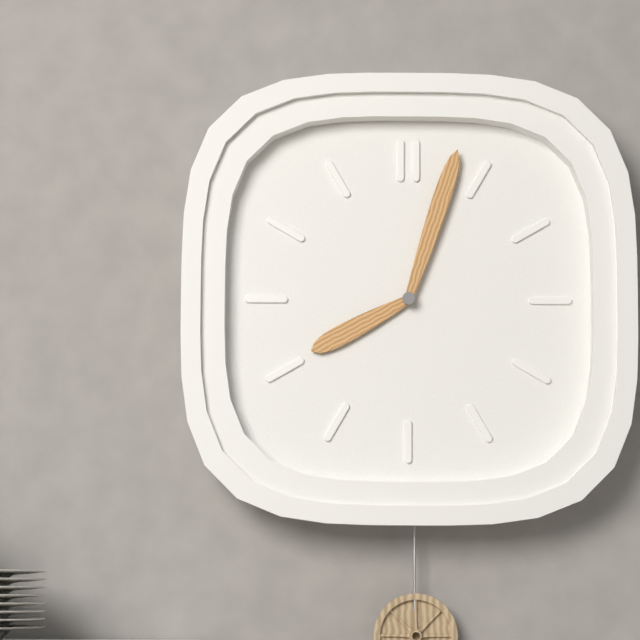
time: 8:03
